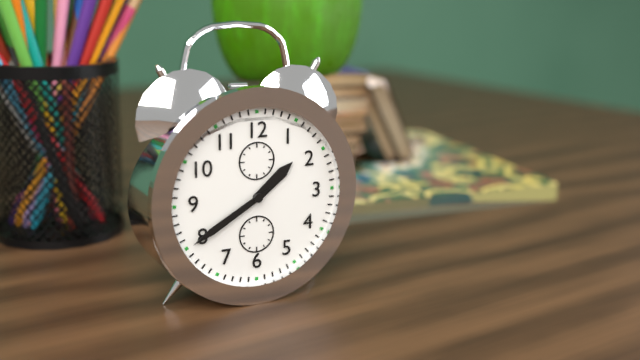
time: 1:40
